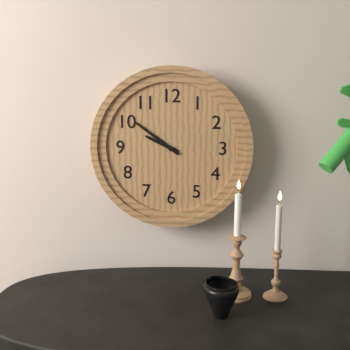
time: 9:51
